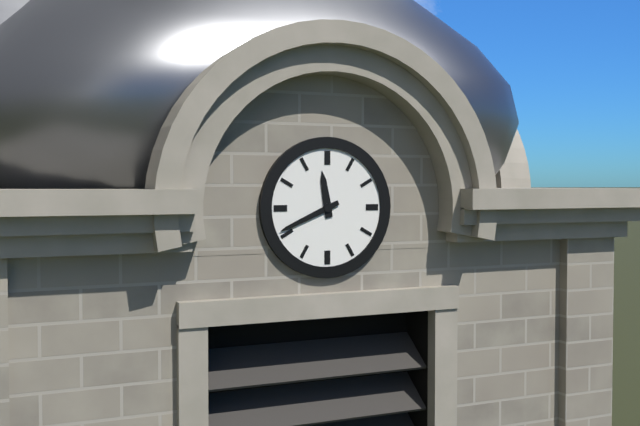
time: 11:41
